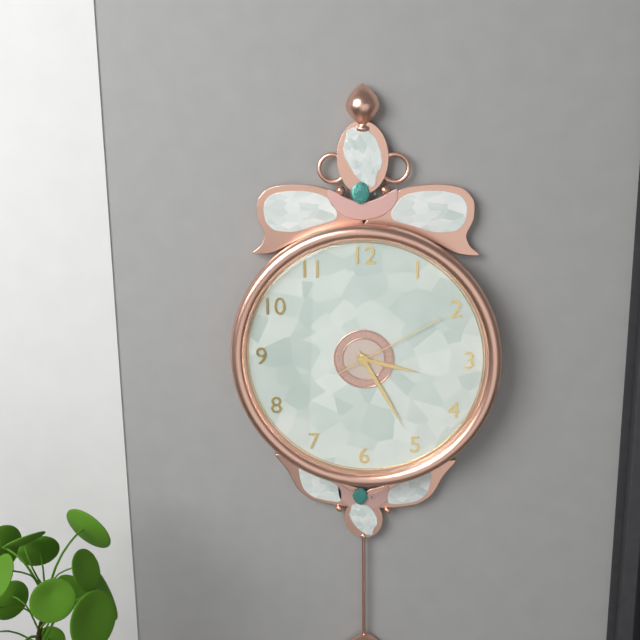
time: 3:25:10
